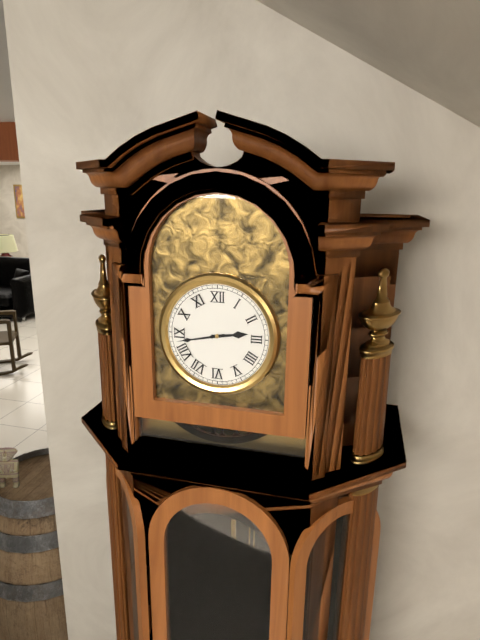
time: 2:43
